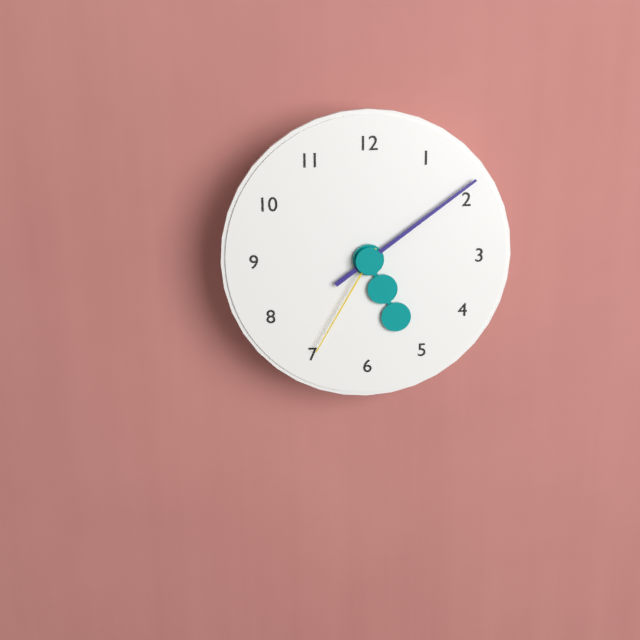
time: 5:09:35
